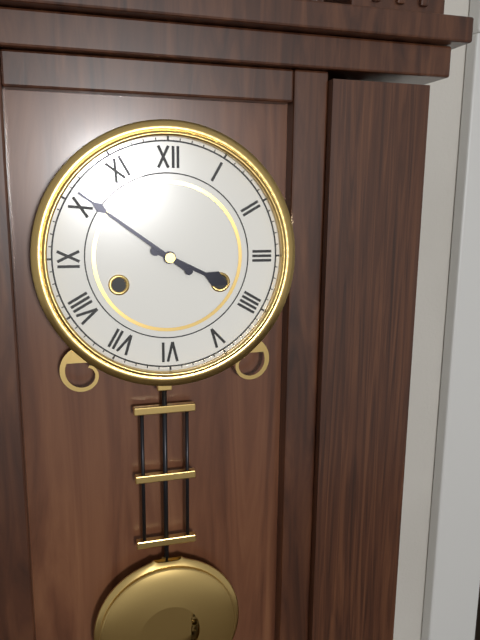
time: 3:51
